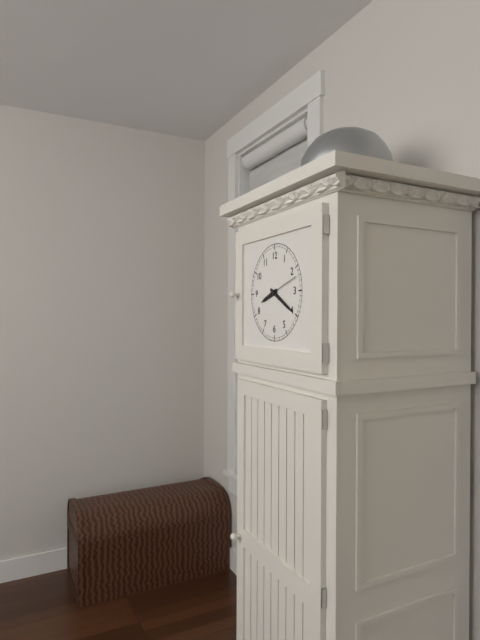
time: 8:20
